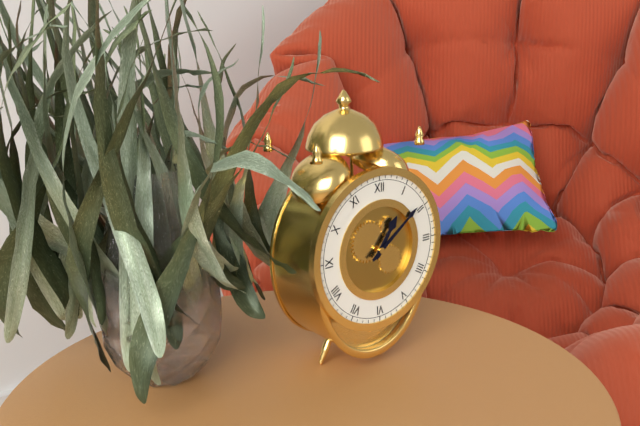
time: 1:09
